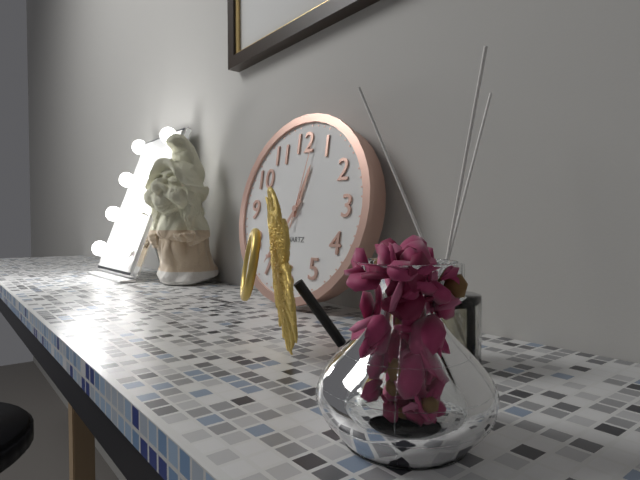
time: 12:36:02
